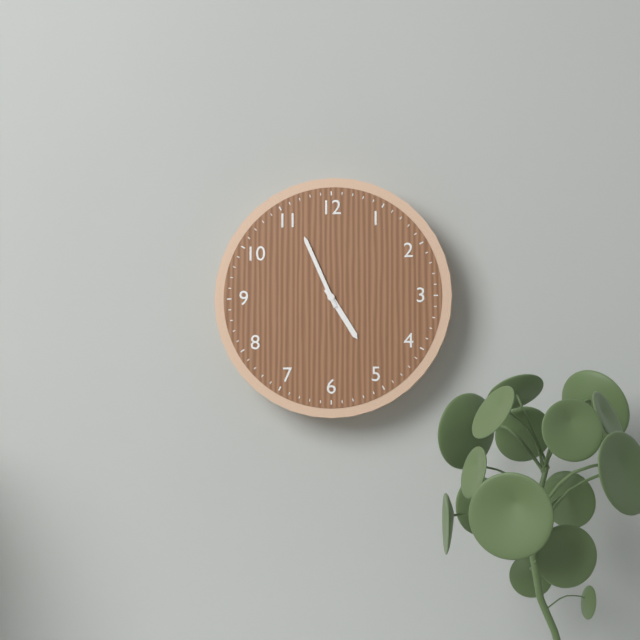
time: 4:56
